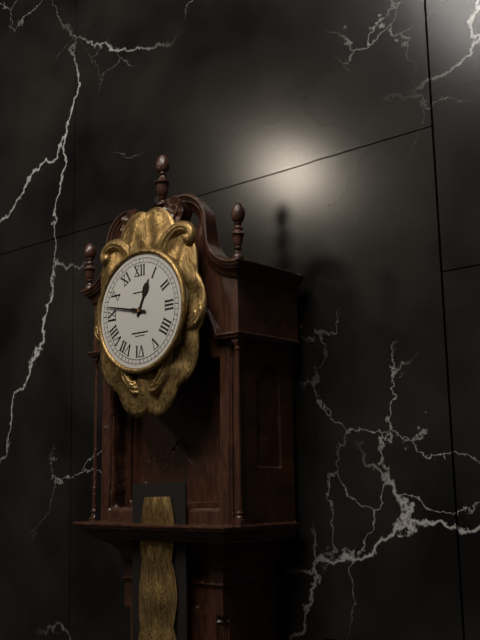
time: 12:47
